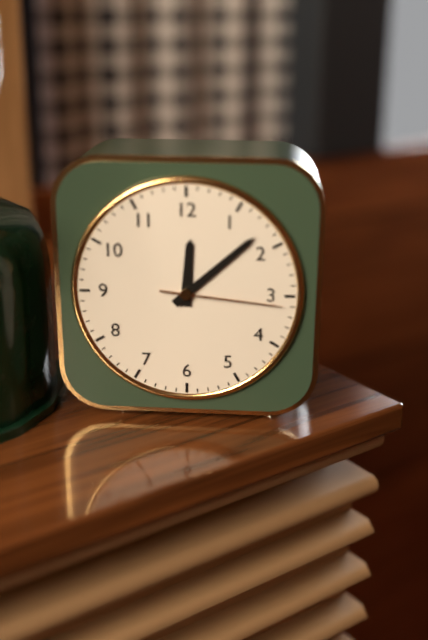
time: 12:08:16
